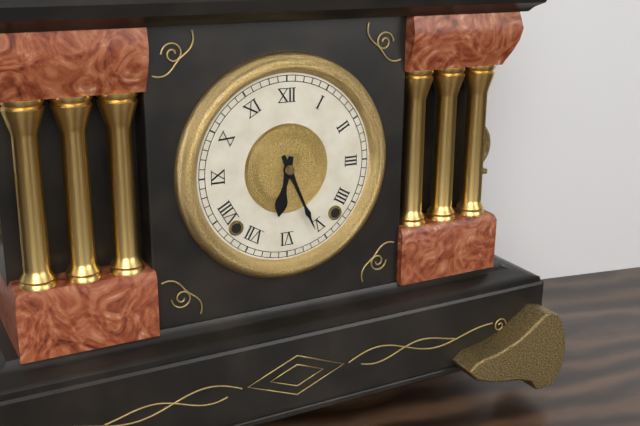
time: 6:26
